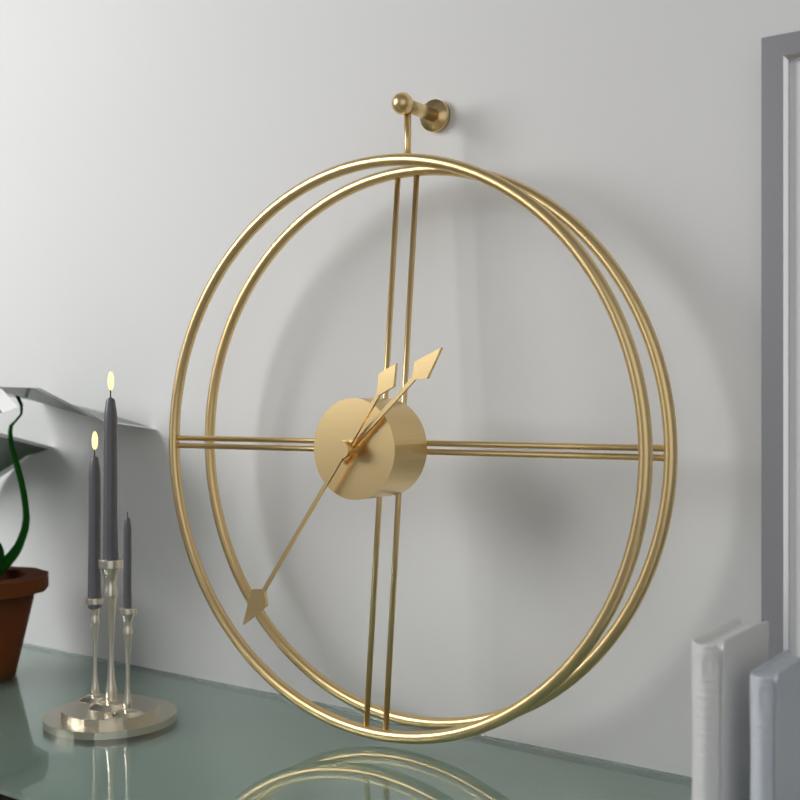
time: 1:36
